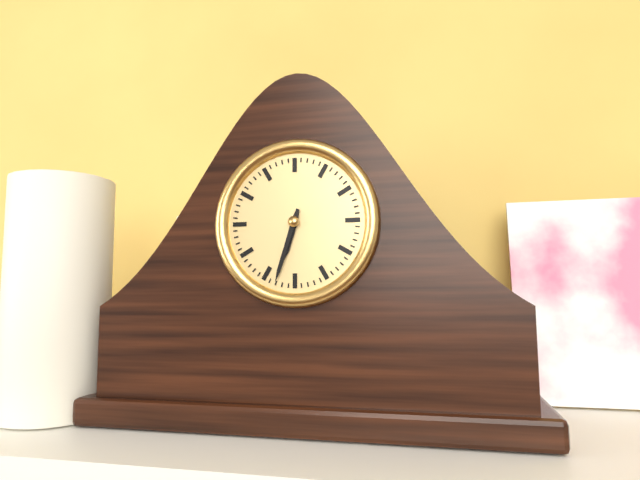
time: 6:33
